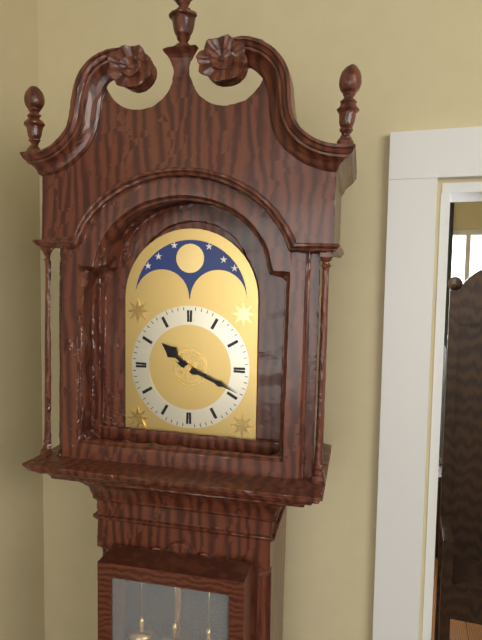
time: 10:19
